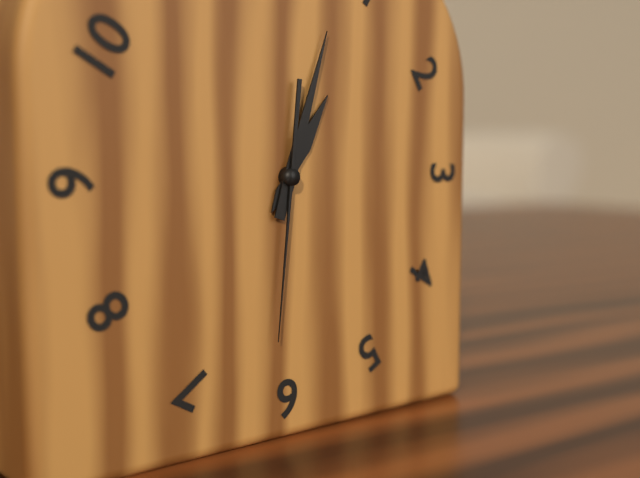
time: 1:03:31
